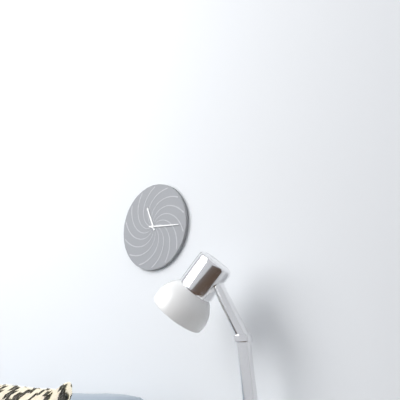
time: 11:16
